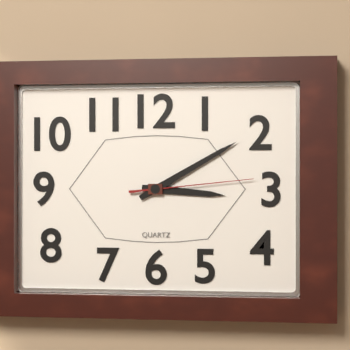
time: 3:10:14
